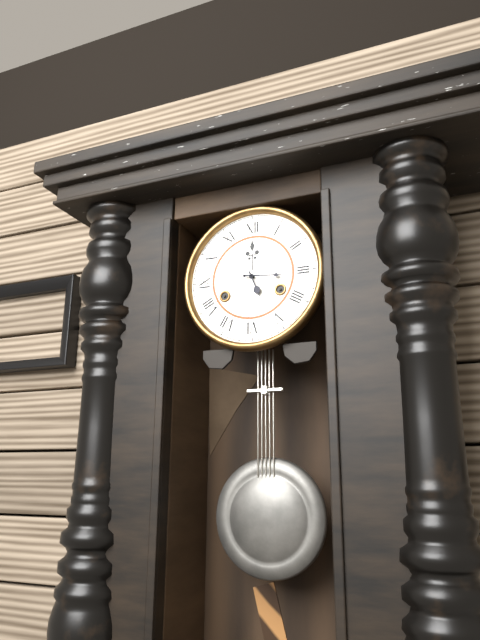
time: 5:16
